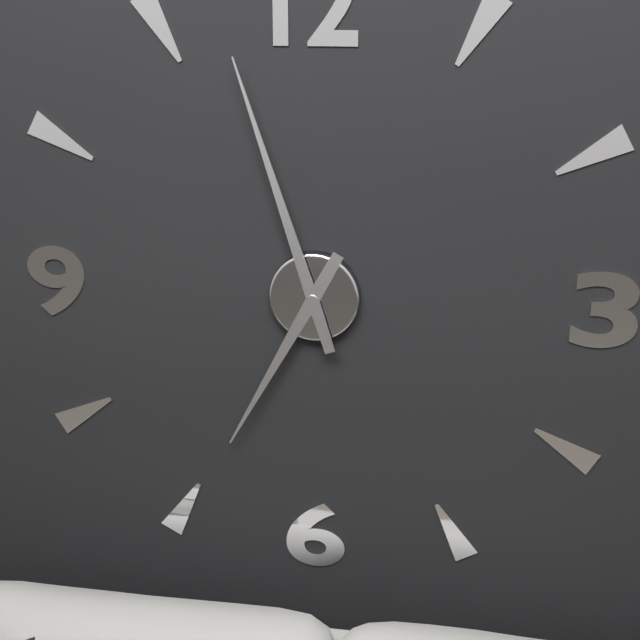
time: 6:57
